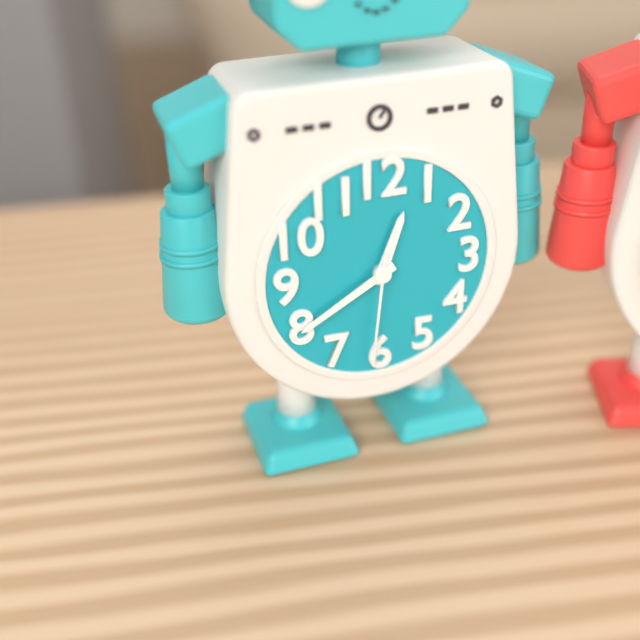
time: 12:40:31
